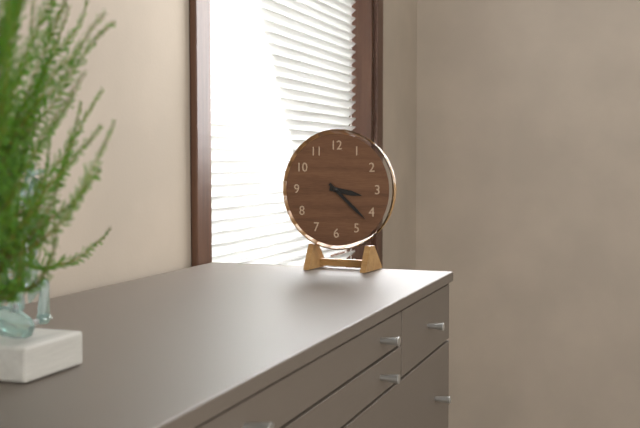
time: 3:22
